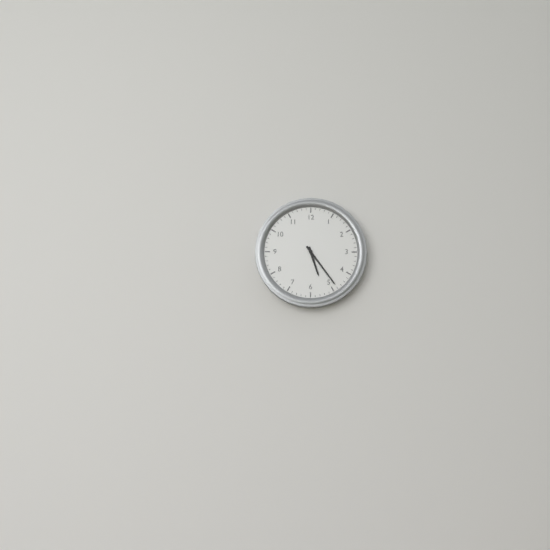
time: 5:24
